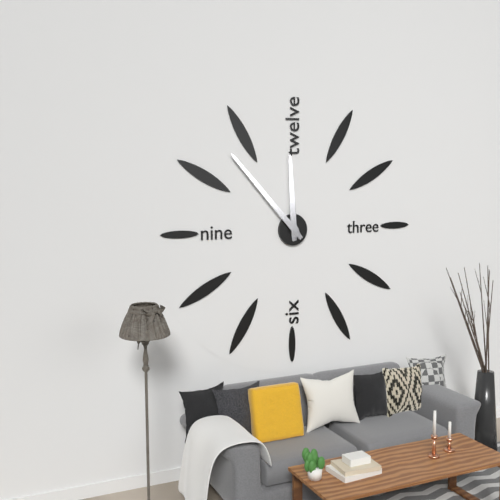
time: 11:53
